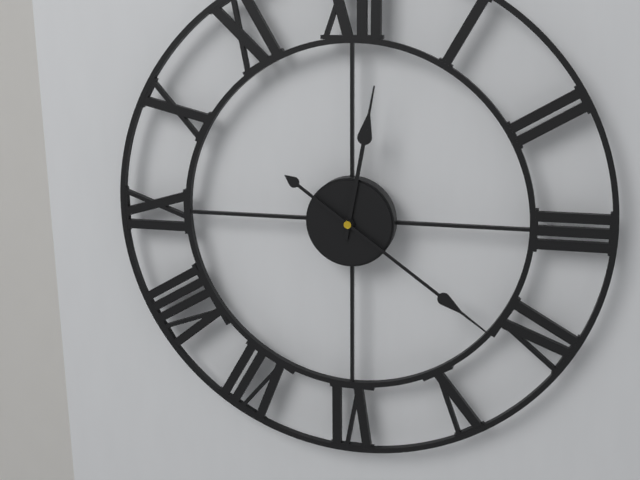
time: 12:21
